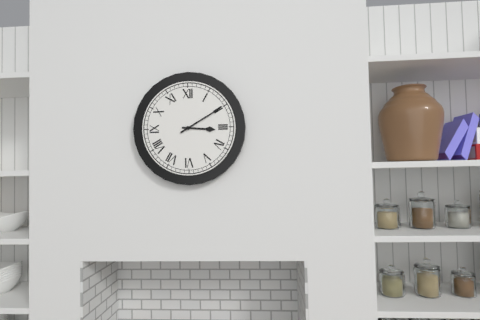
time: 3:10
